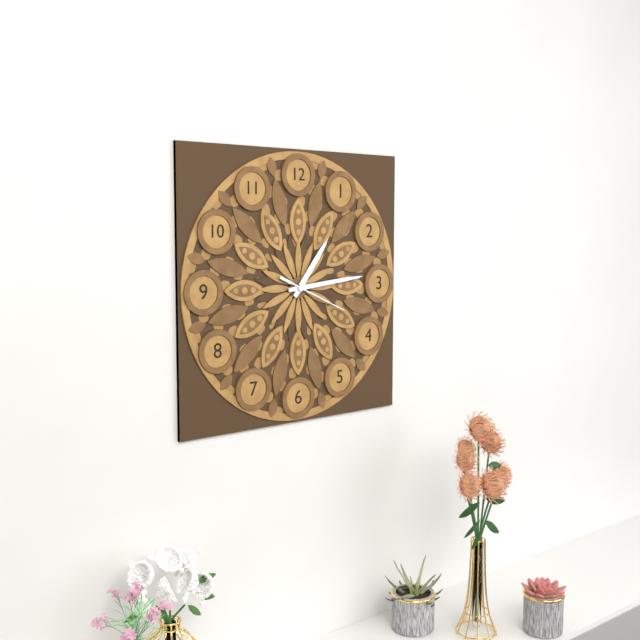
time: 1:14:19
